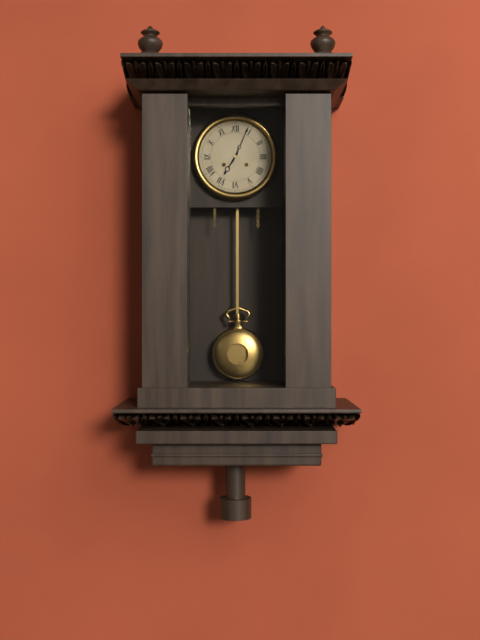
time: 7:04
